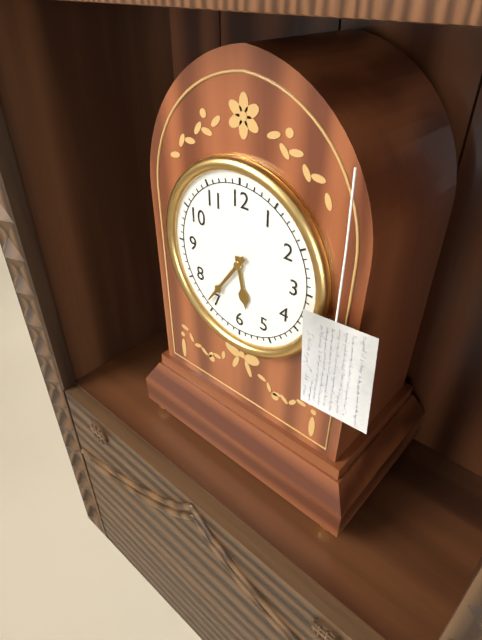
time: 5:36
